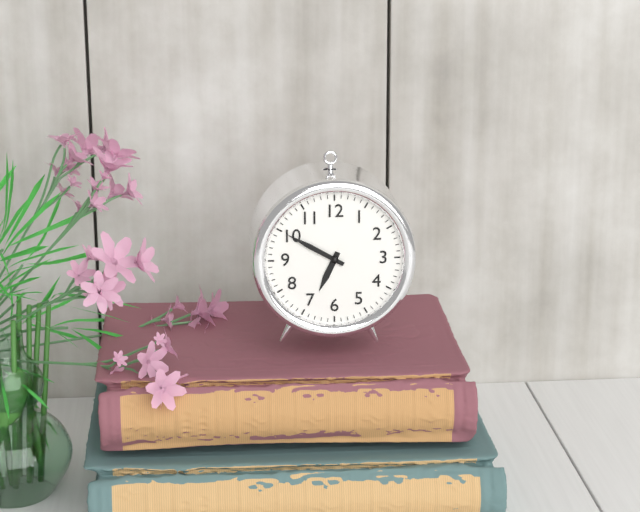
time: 6:50
